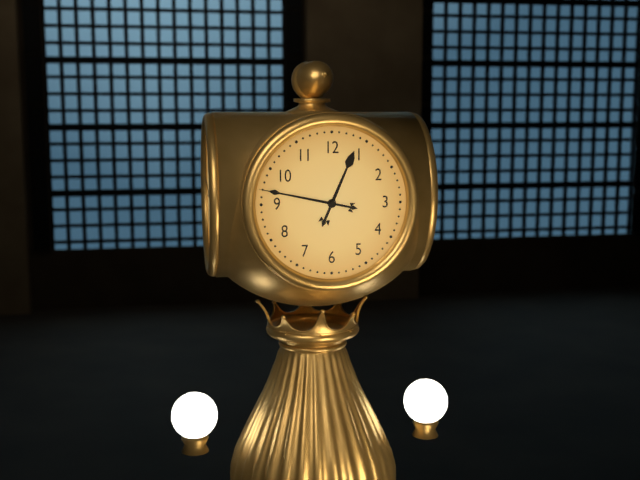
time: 12:47
